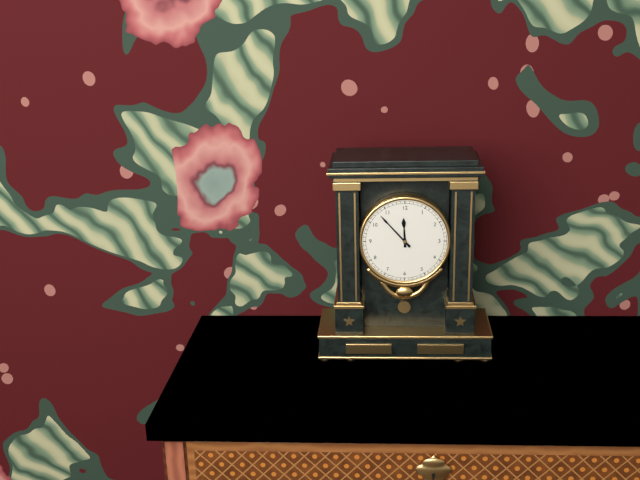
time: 11:53
